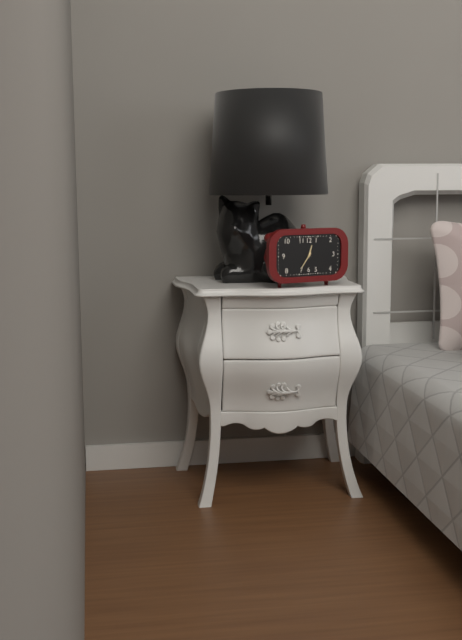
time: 12:36
